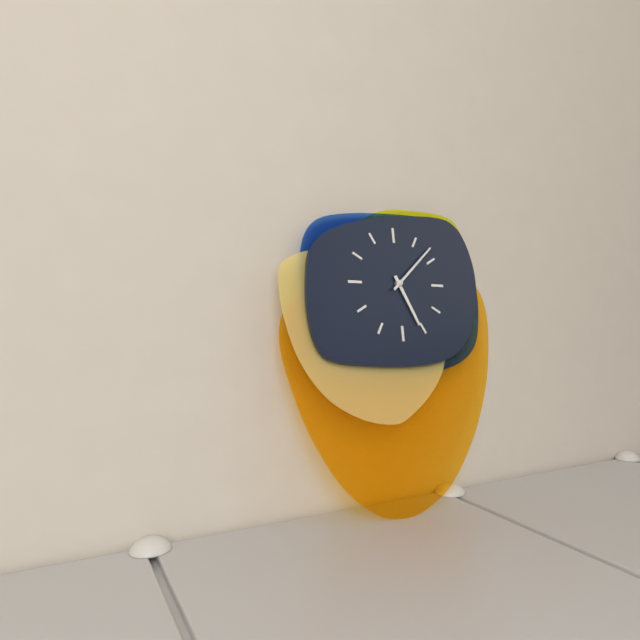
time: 5:08
